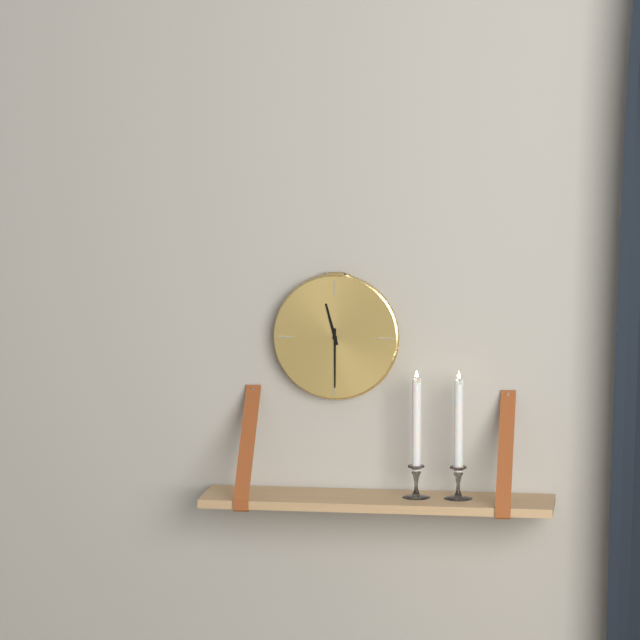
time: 11:30
